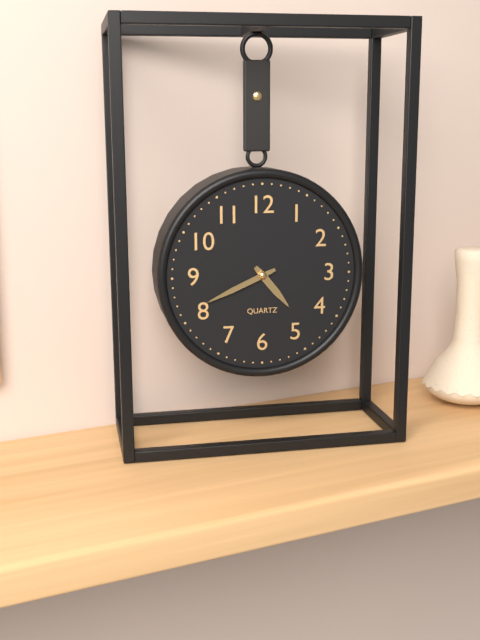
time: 4:41
